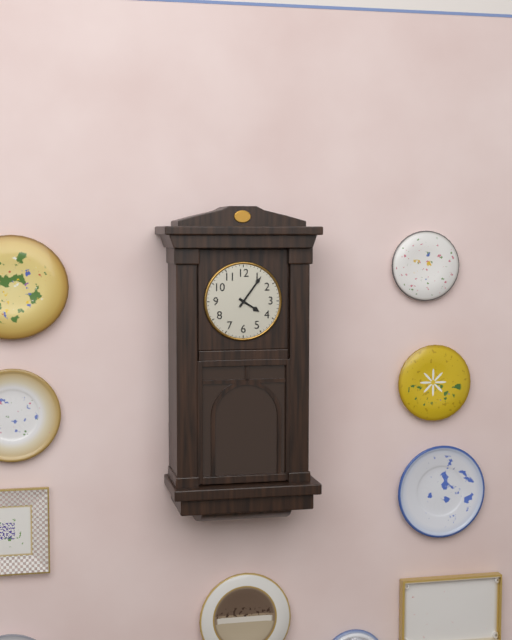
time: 4:06
